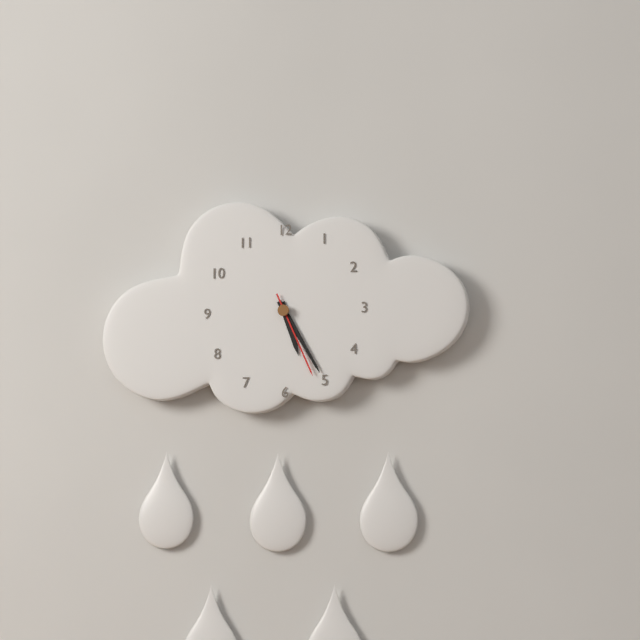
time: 5:25:26
